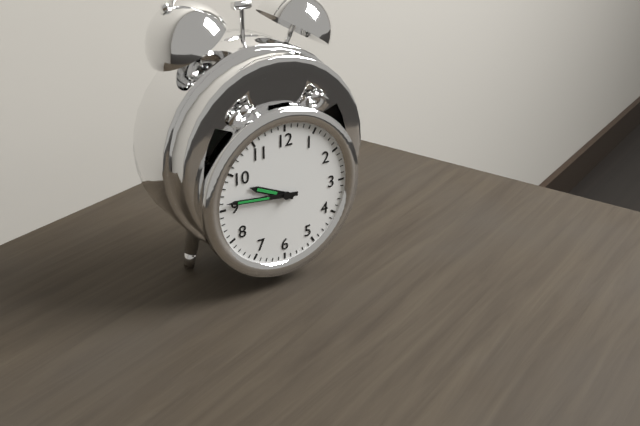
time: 9:46
